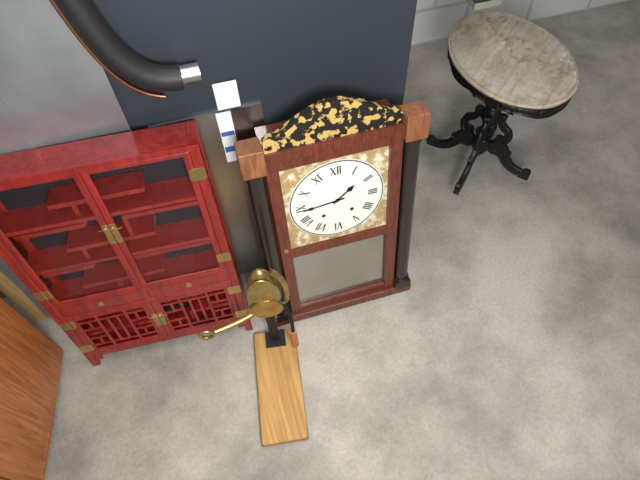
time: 1:44
